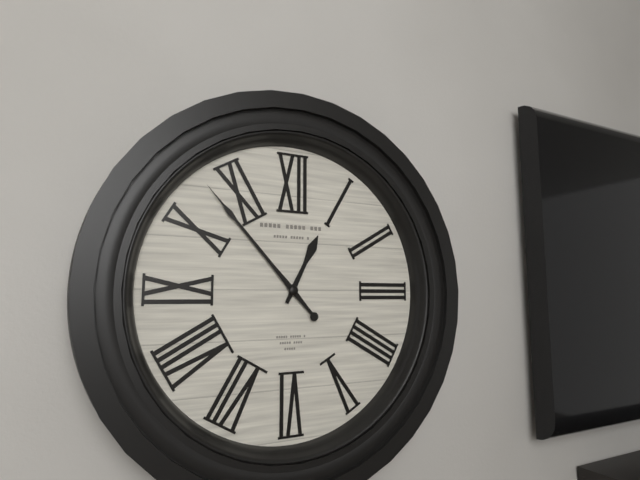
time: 12:53
